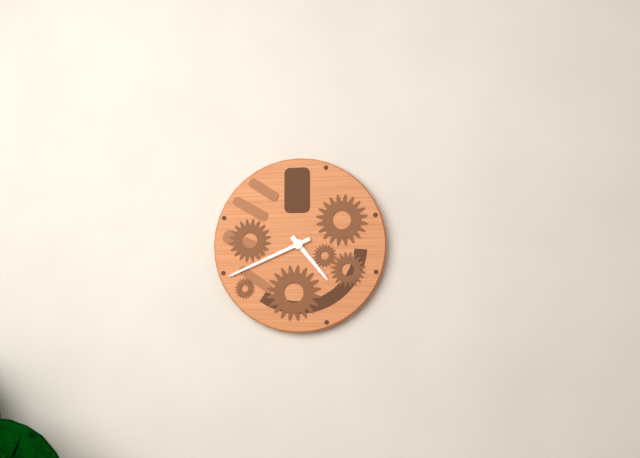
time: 4:41
